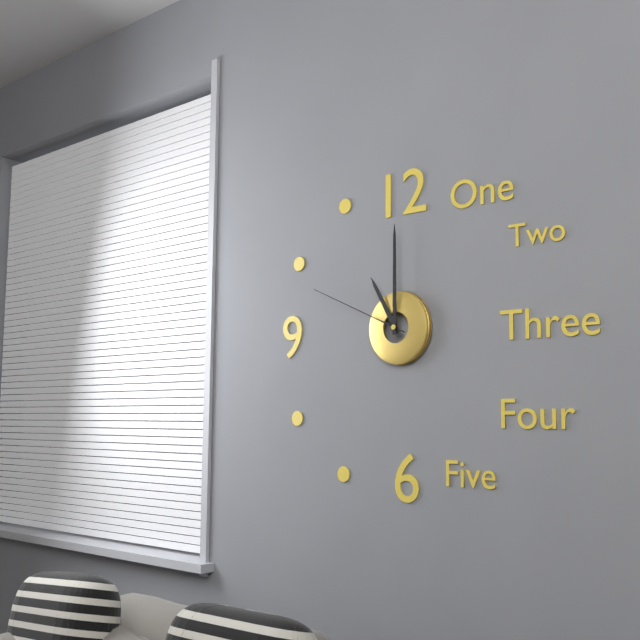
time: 11:00:49
